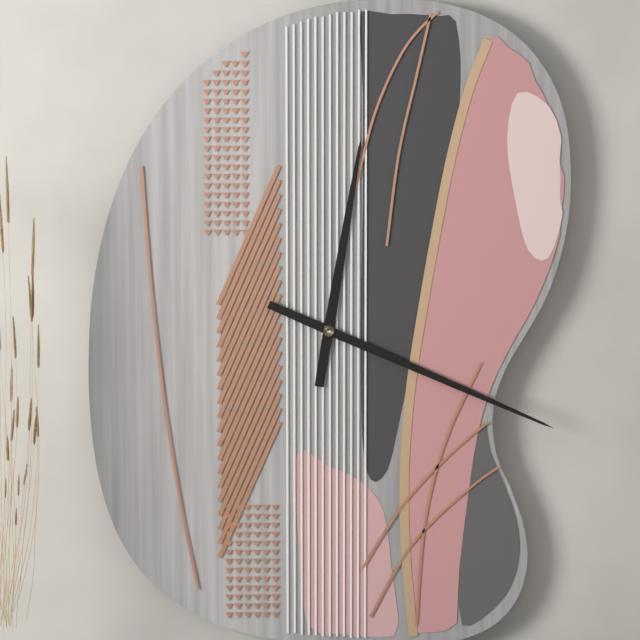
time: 12:19
